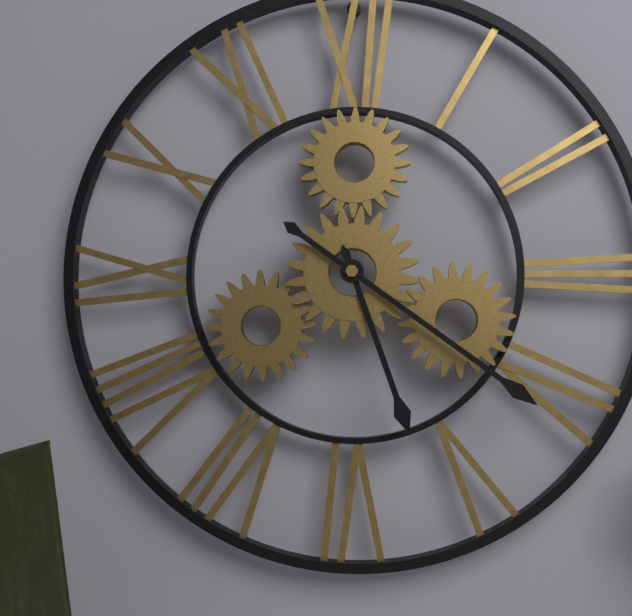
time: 5:21
